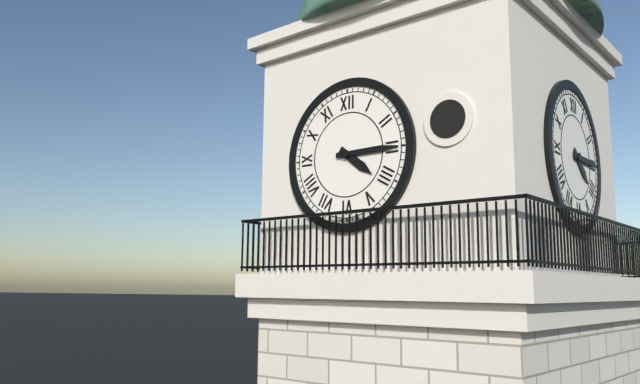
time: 4:15
